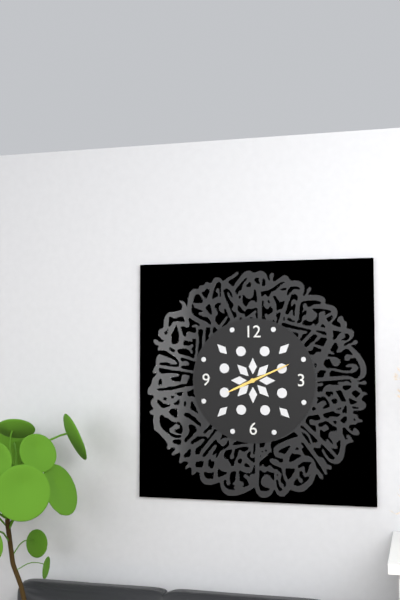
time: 8:11
